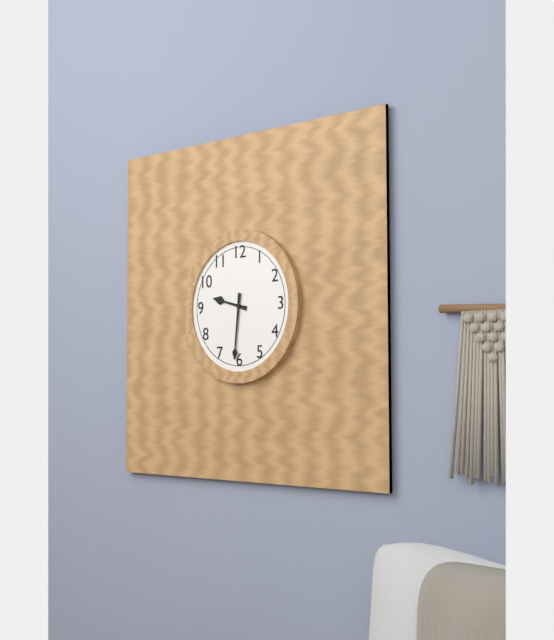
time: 9:31
